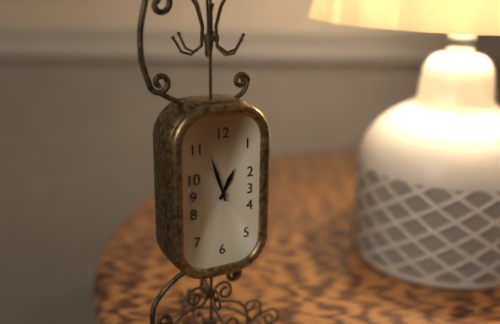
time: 12:57
